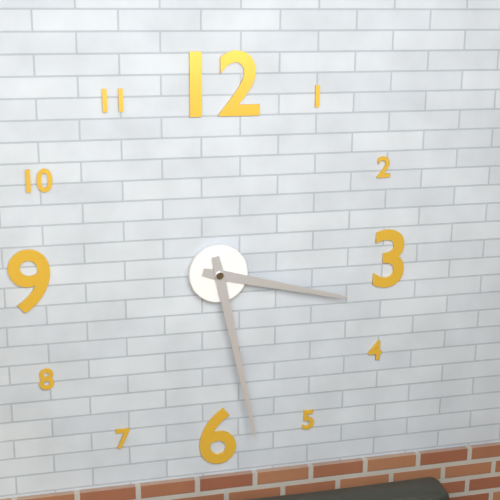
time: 3:28
